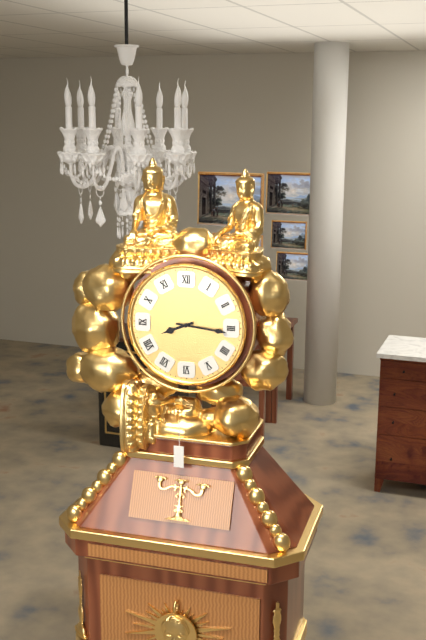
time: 8:16
